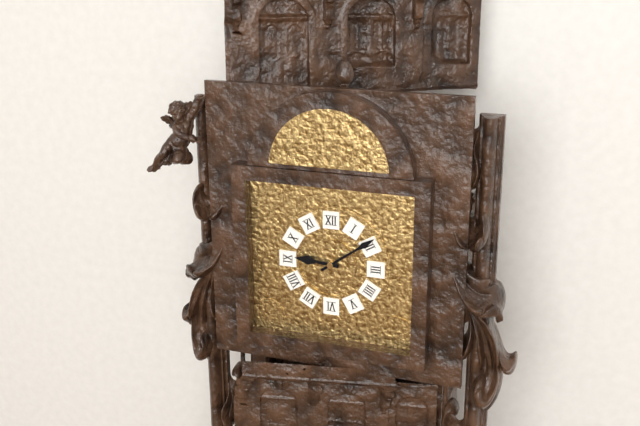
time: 9:09
